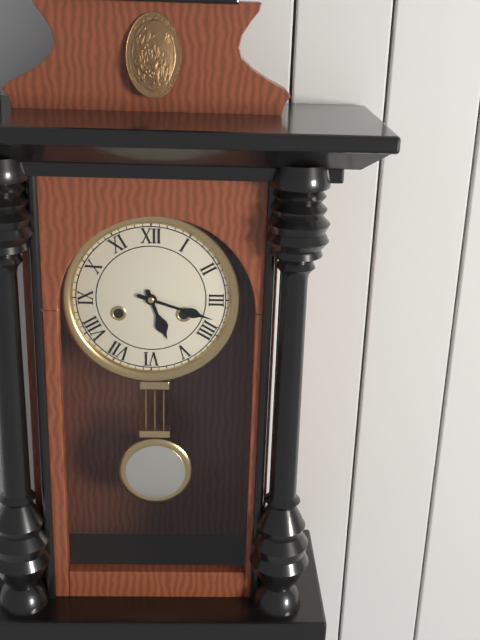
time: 5:18
